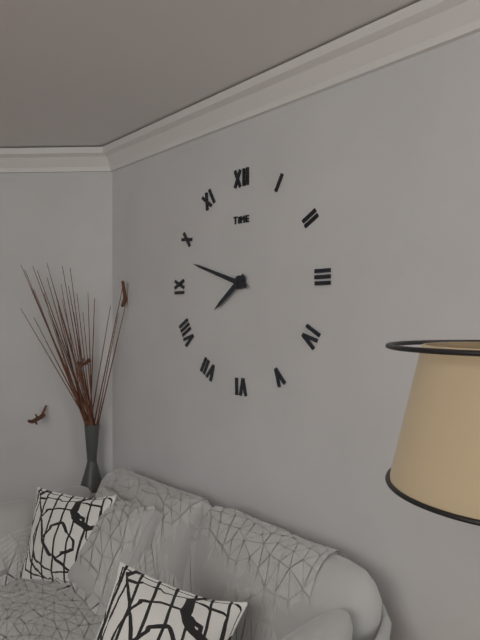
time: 7:48
